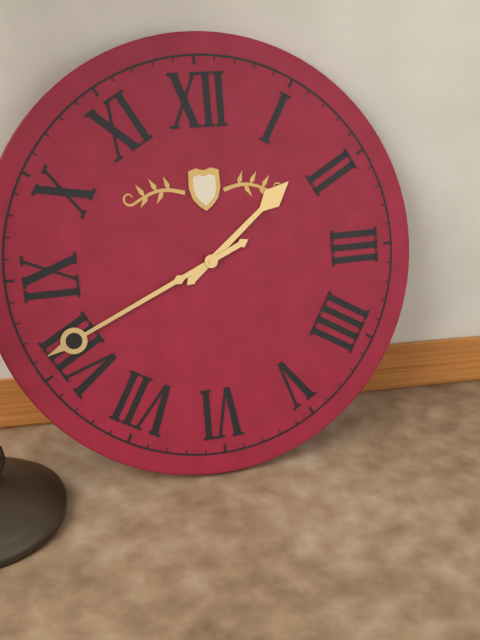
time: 1:41
